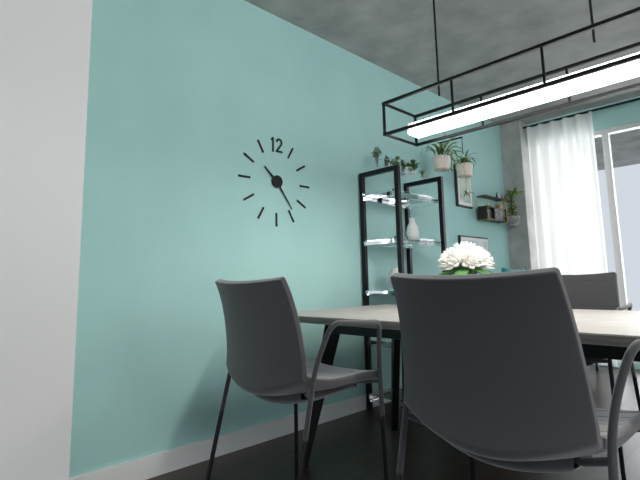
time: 10:24
